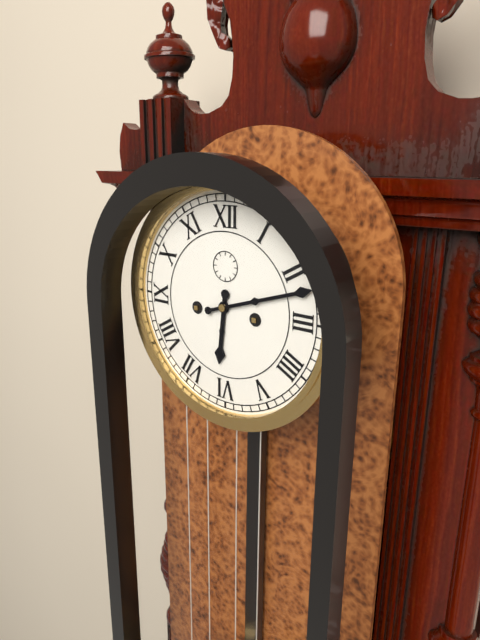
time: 6:12
